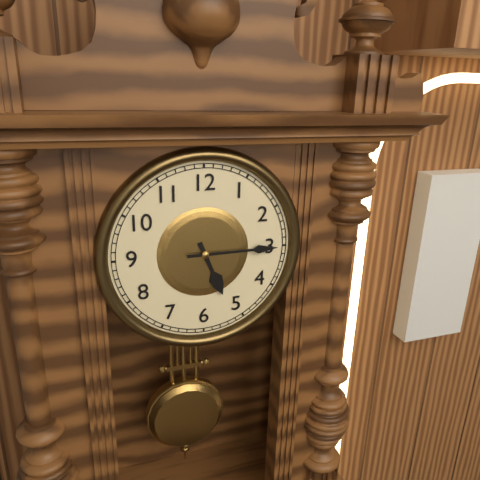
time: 5:15
